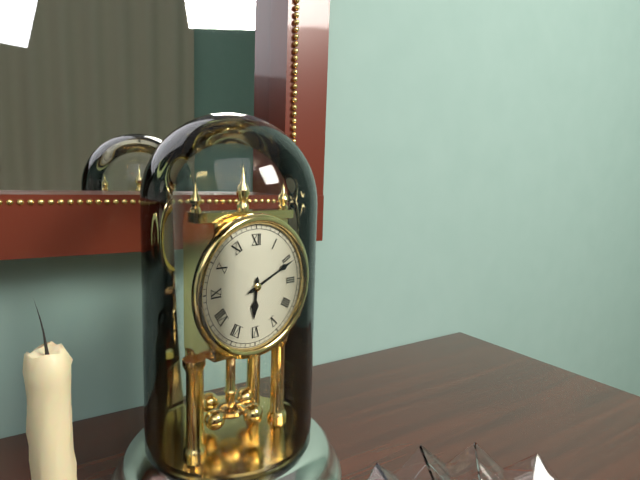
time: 6:11
